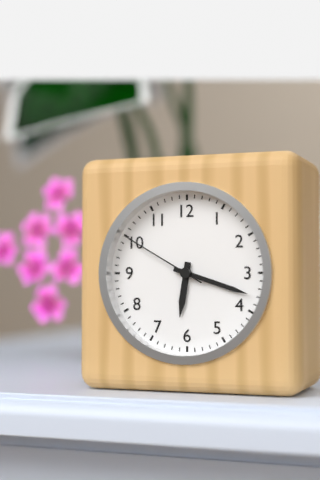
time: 6:18:50
